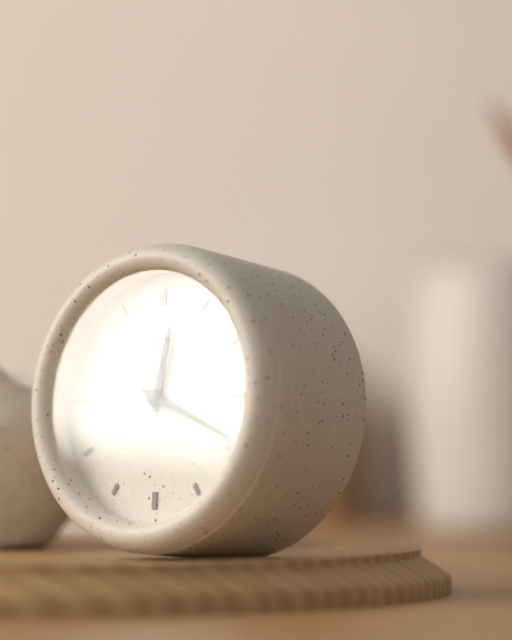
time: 12:19
